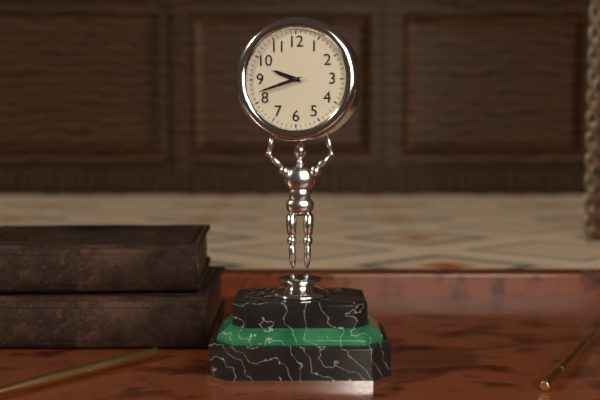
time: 9:42
